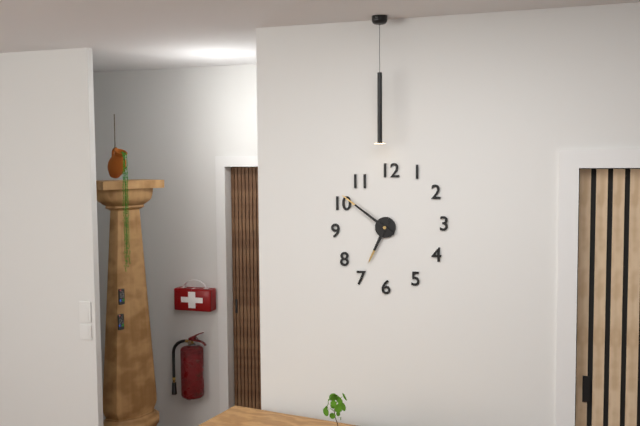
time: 6:51
